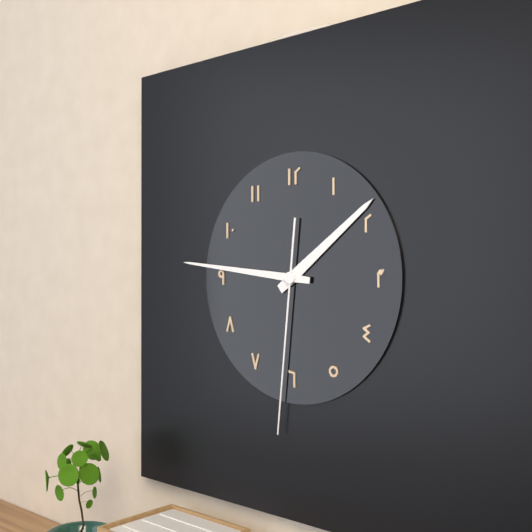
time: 1:46:31
